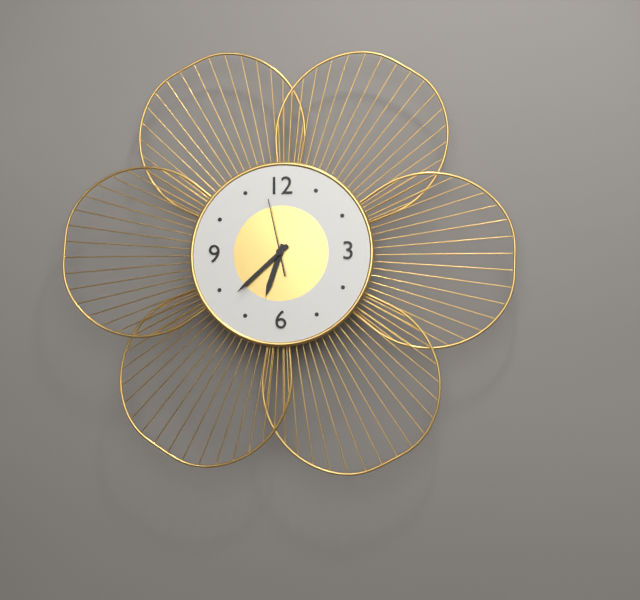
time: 6:38:58
